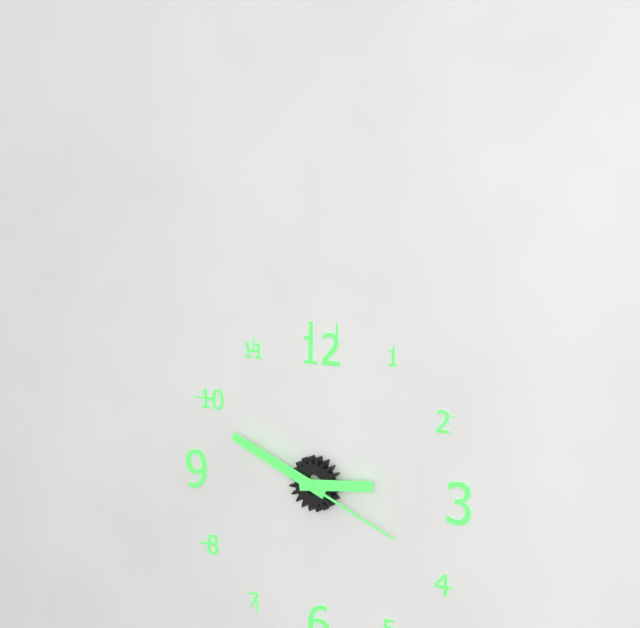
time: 2:49:19
